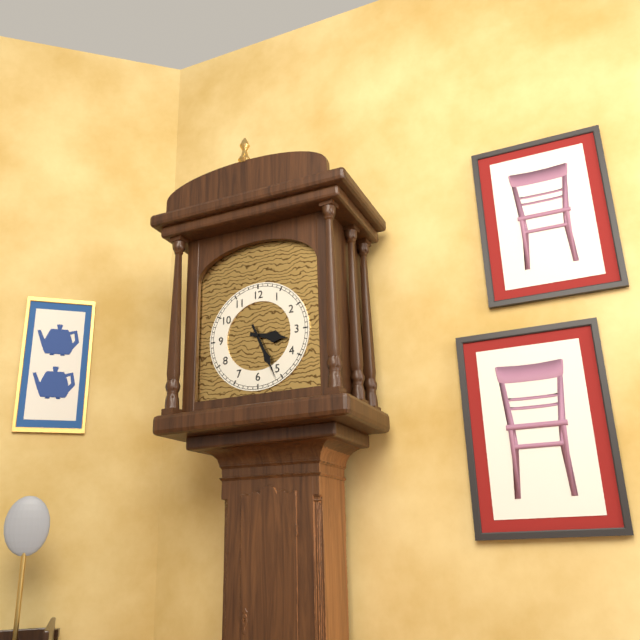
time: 3:26
